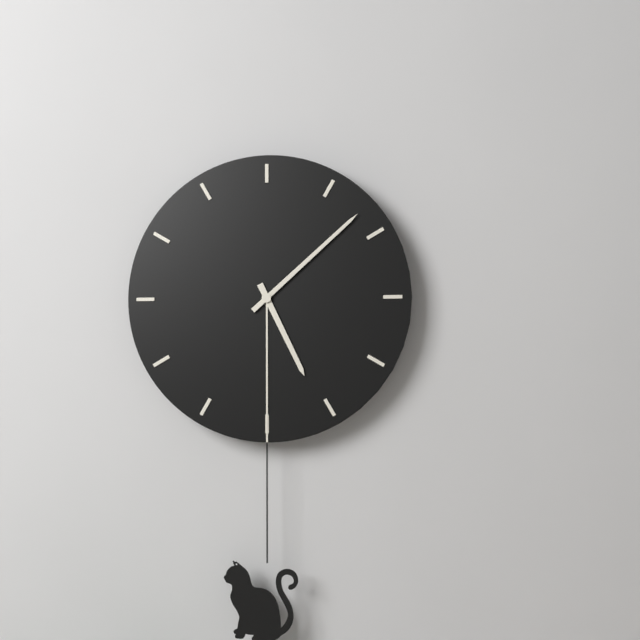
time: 5:08
